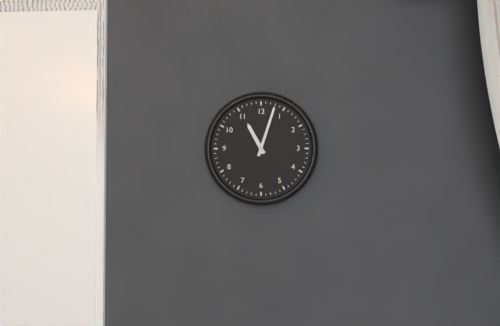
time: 11:03
